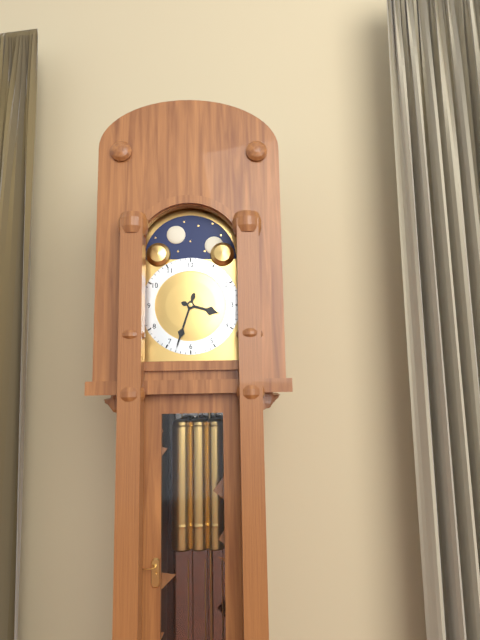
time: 3:33
